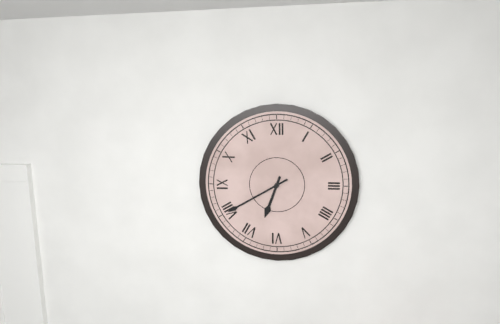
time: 6:40
